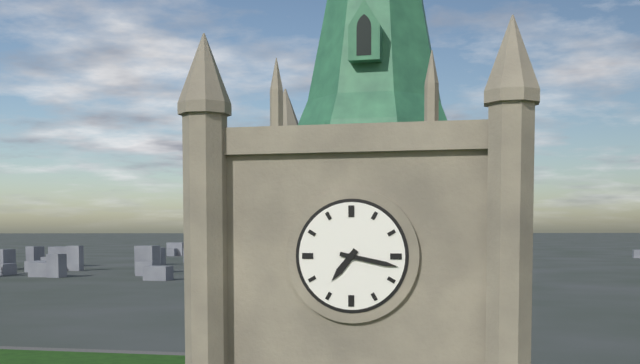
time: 7:17
